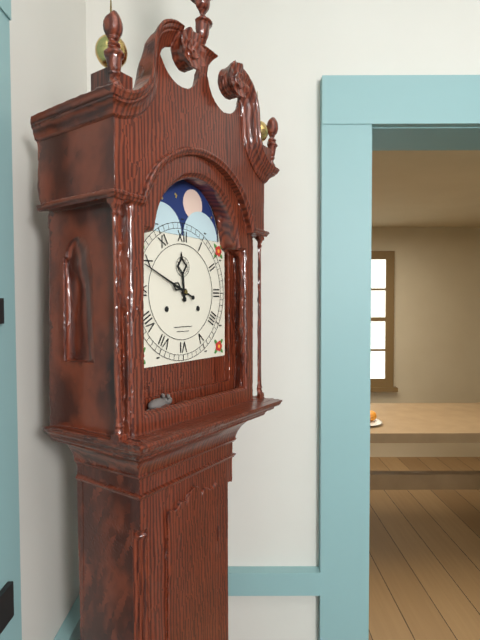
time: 11:49
